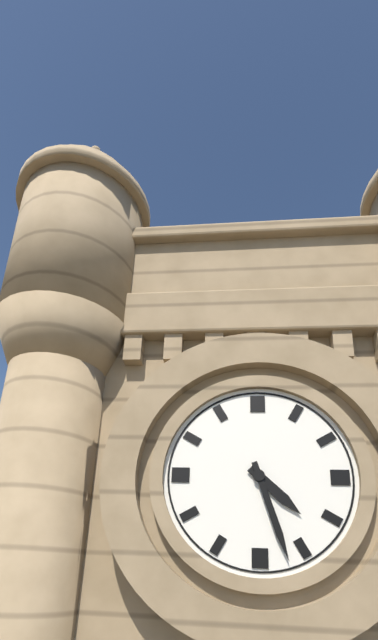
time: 4:27
